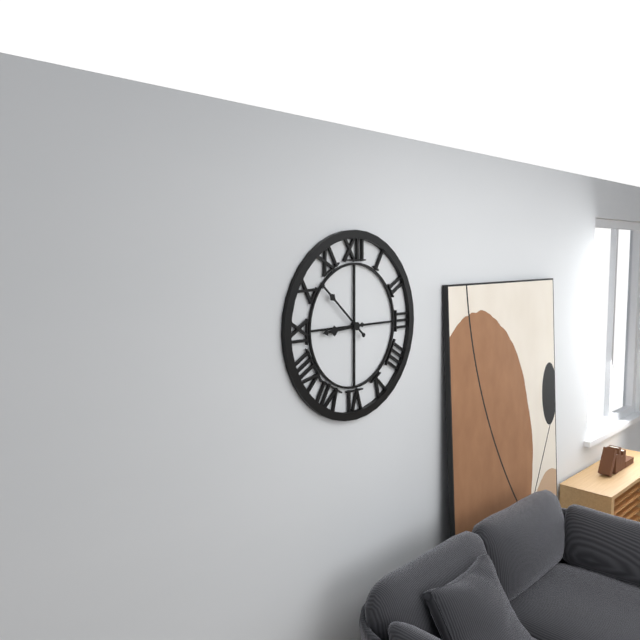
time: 8:52
